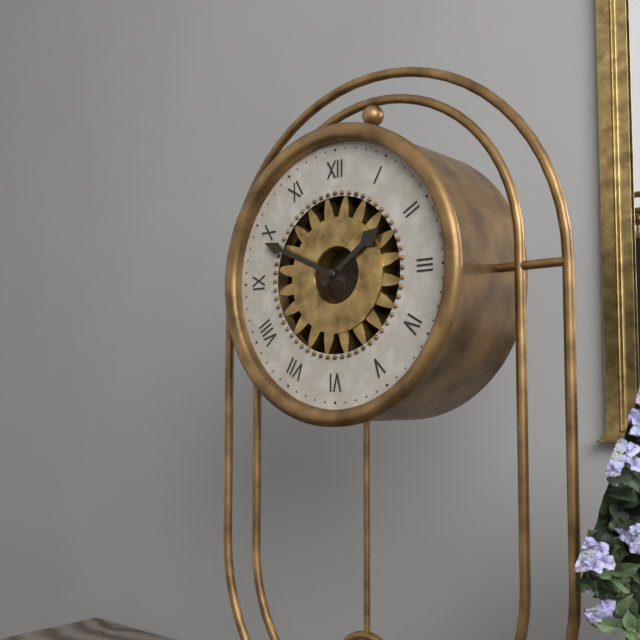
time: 1:49
